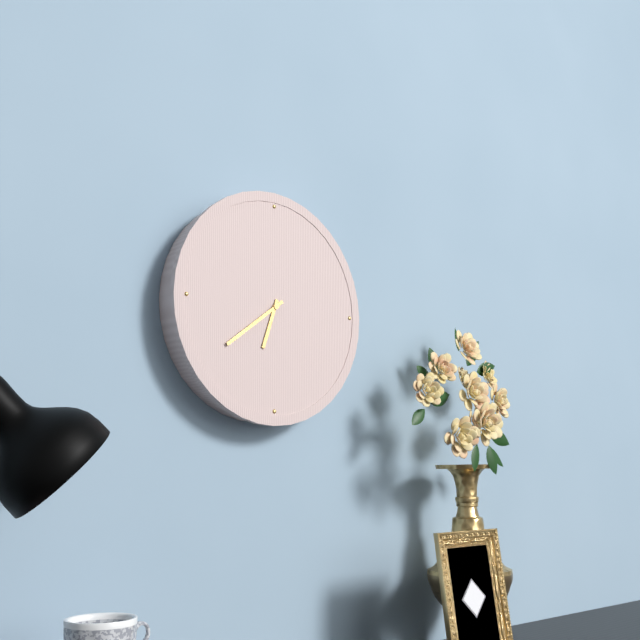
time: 6:39
